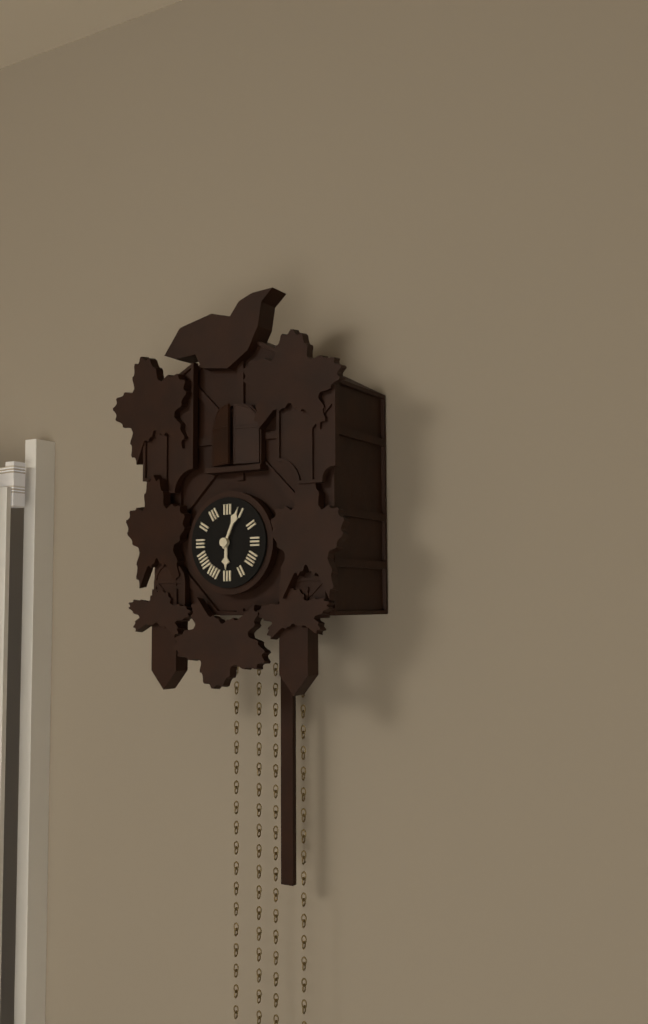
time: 6:04
